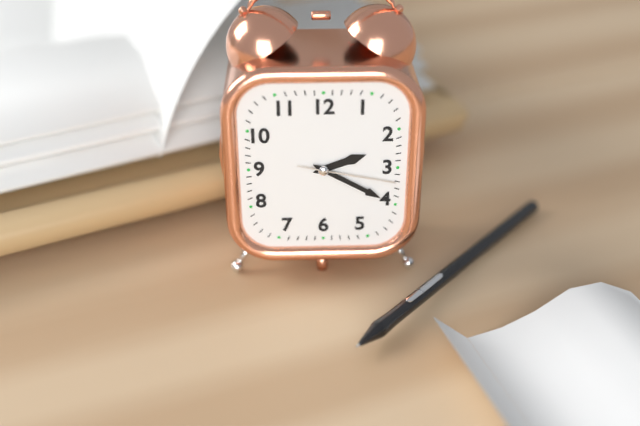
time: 2:20:17
